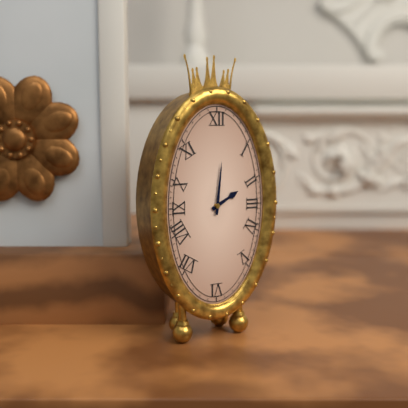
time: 2:01
